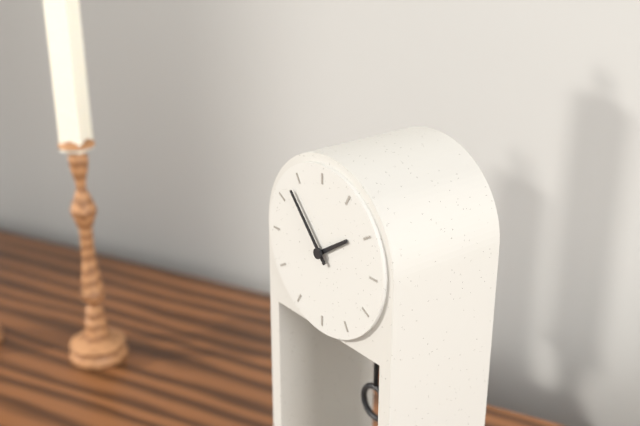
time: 1:53
